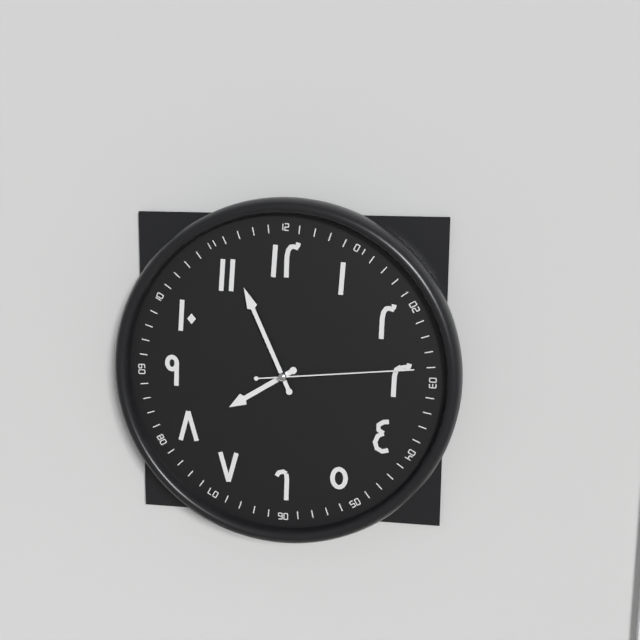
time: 7:56:14
